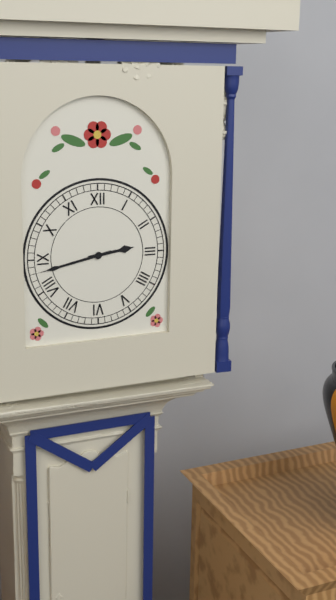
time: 2:43
